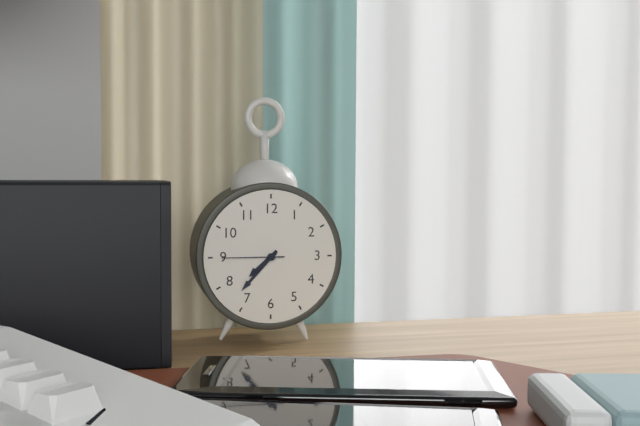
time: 7:37:45
